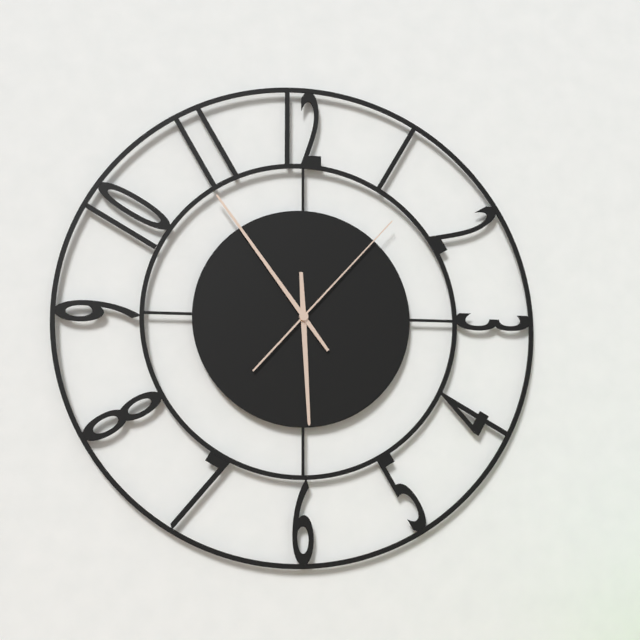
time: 5:54:07
